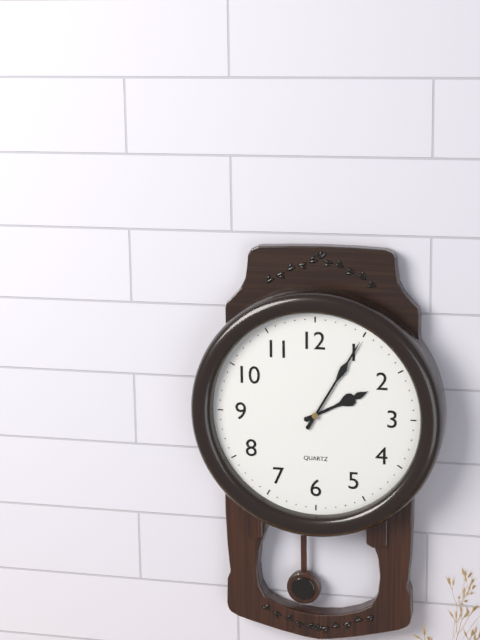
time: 2:05
